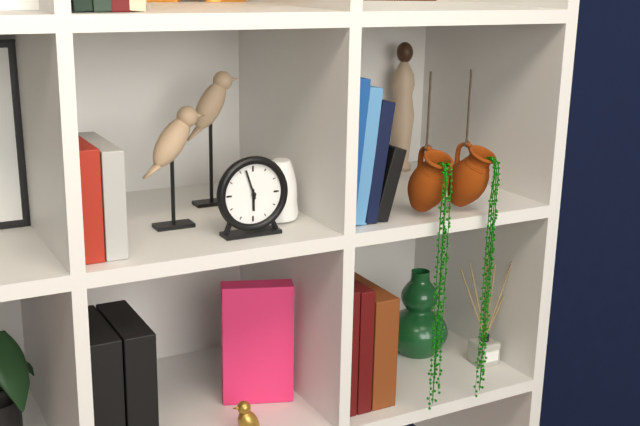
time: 5:57
